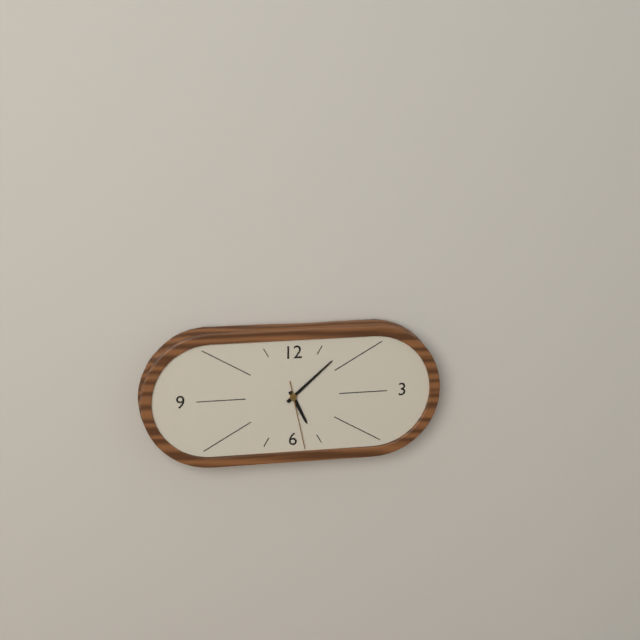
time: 5:08:28
